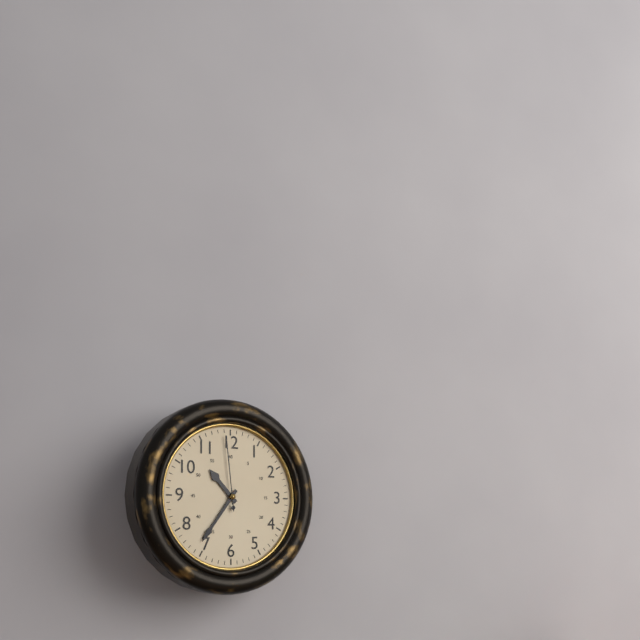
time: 10:36:59
